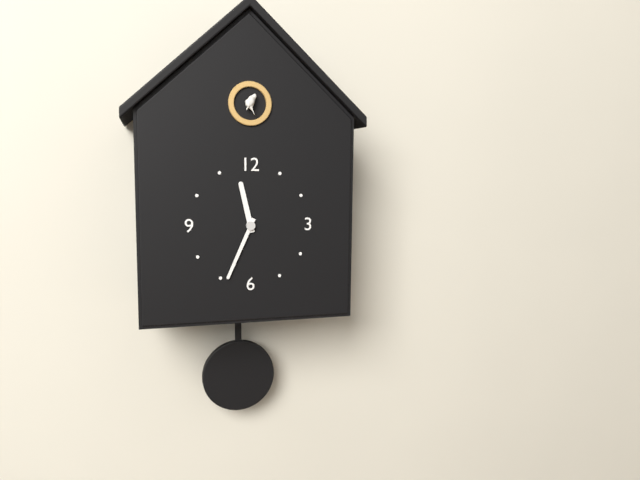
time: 11:34
